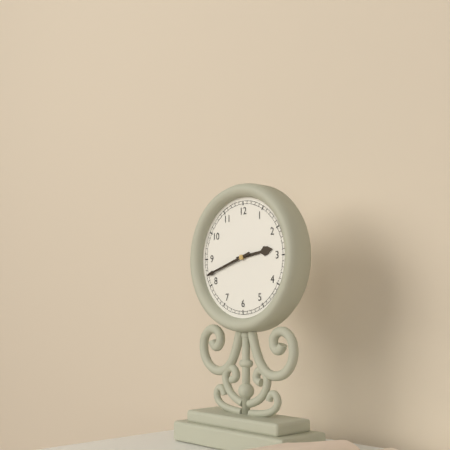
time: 2:42
